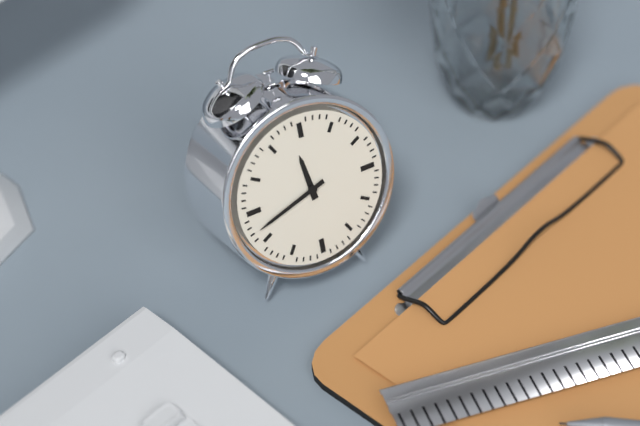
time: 11:42
